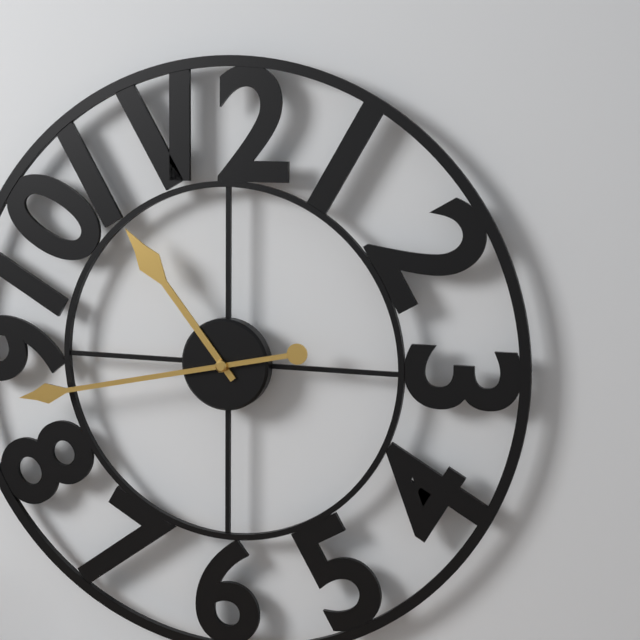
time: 10:43
